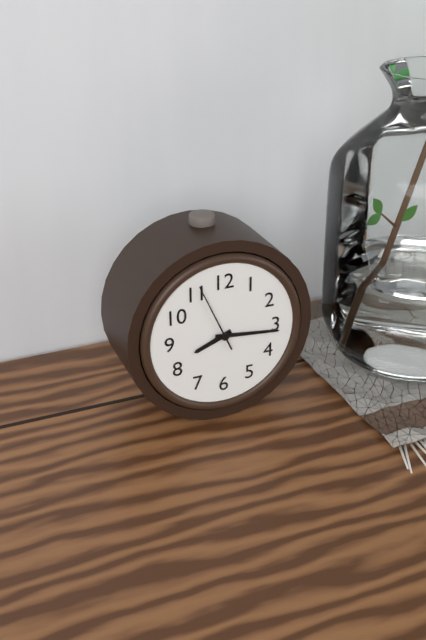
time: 8:16:56
